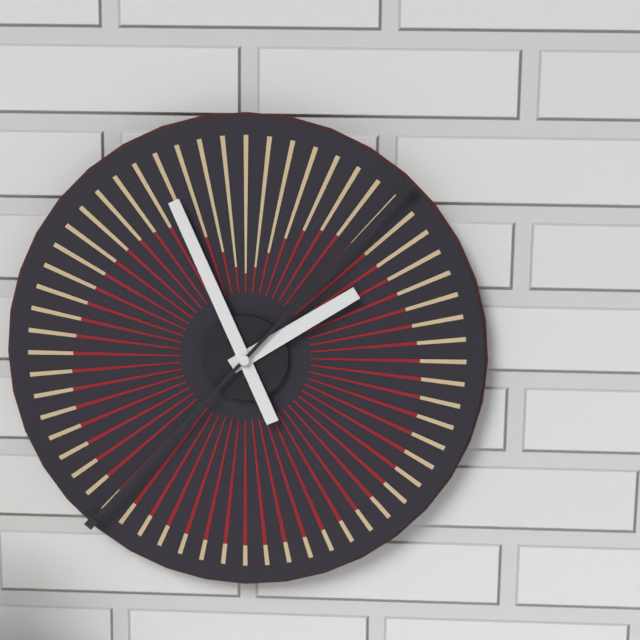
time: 1:56
